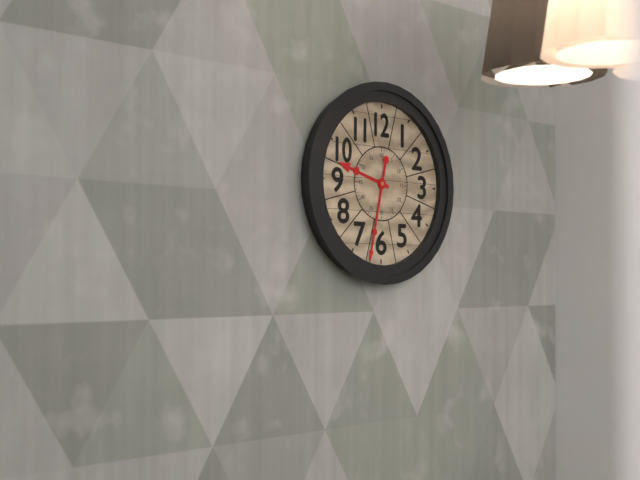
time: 9:32
